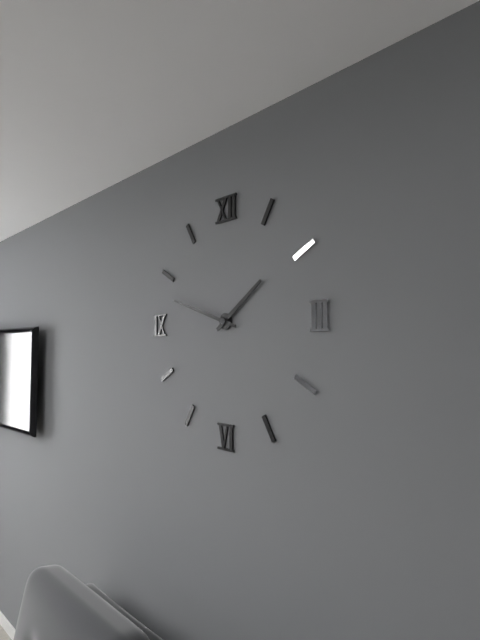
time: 1:48
